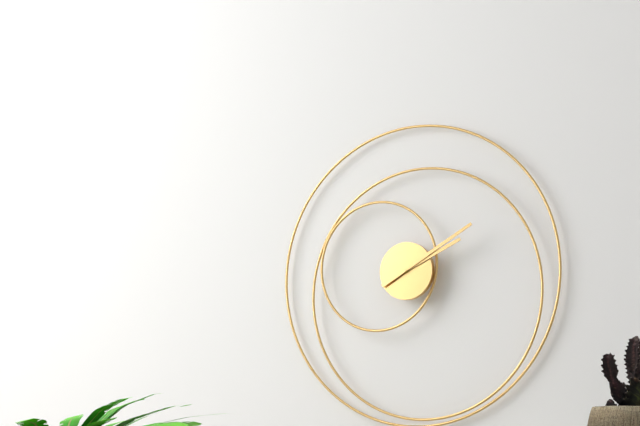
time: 2:10
